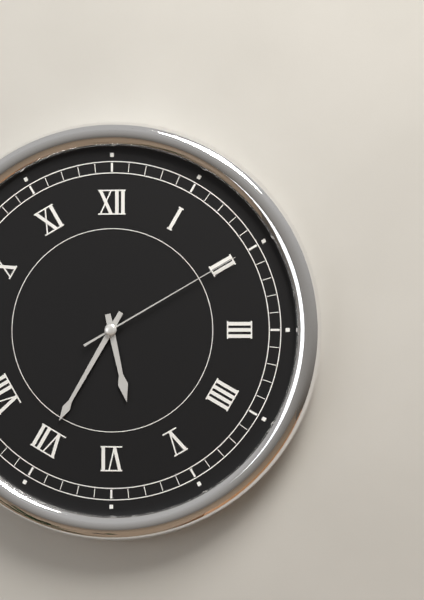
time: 5:35:10
